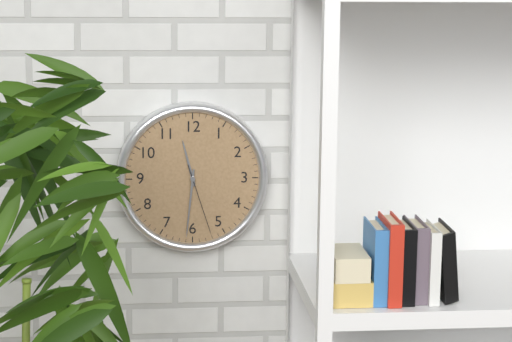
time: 11:31:27
